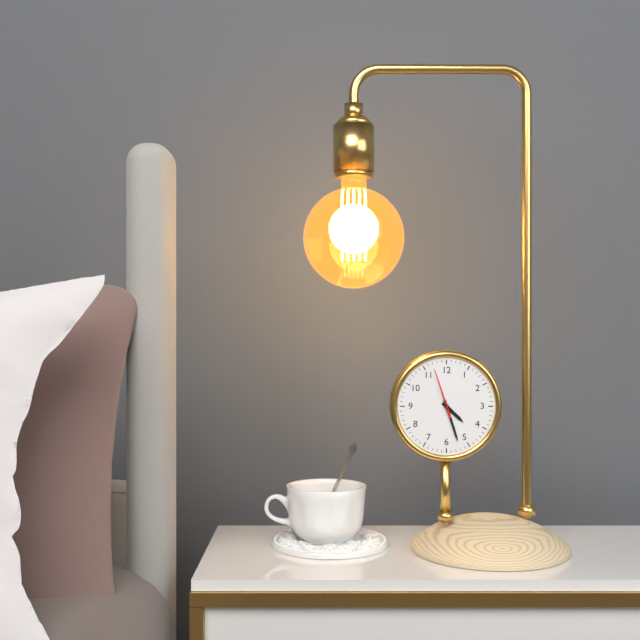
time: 4:27
